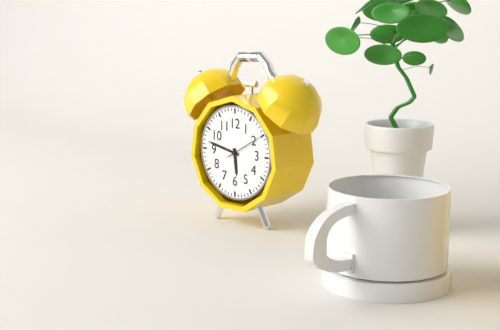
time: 5:47
